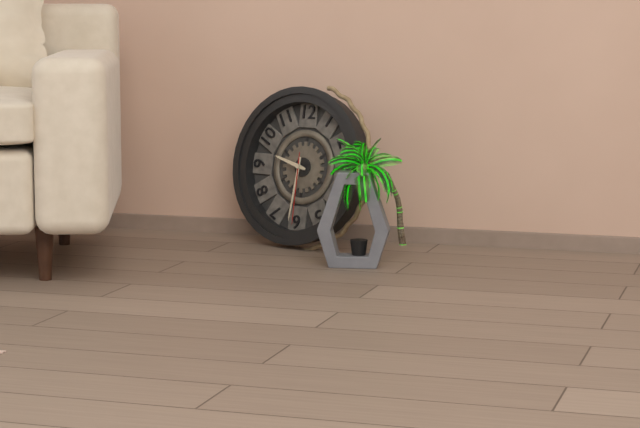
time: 9:31:30
